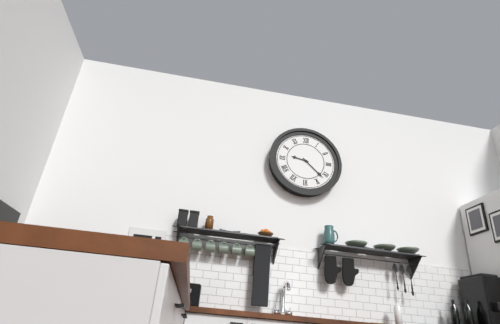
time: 9:22
